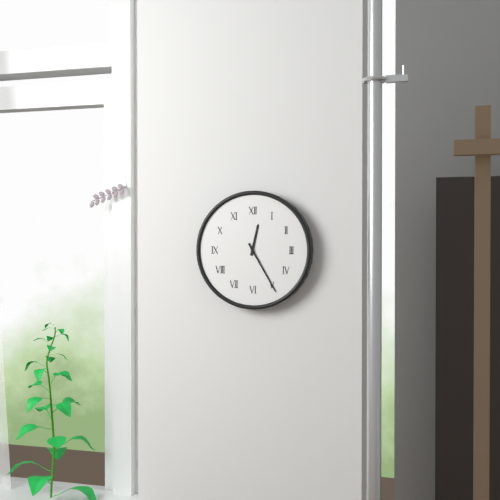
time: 12:25
